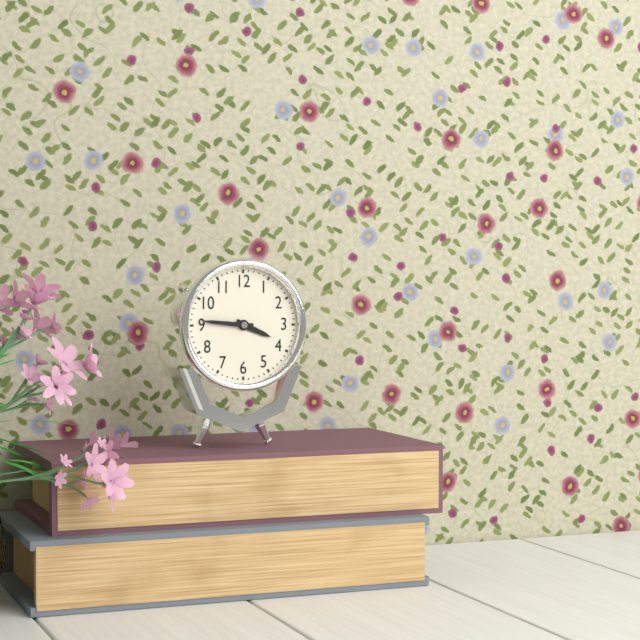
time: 3:46
